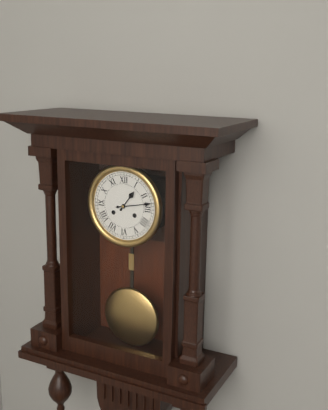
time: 1:13
